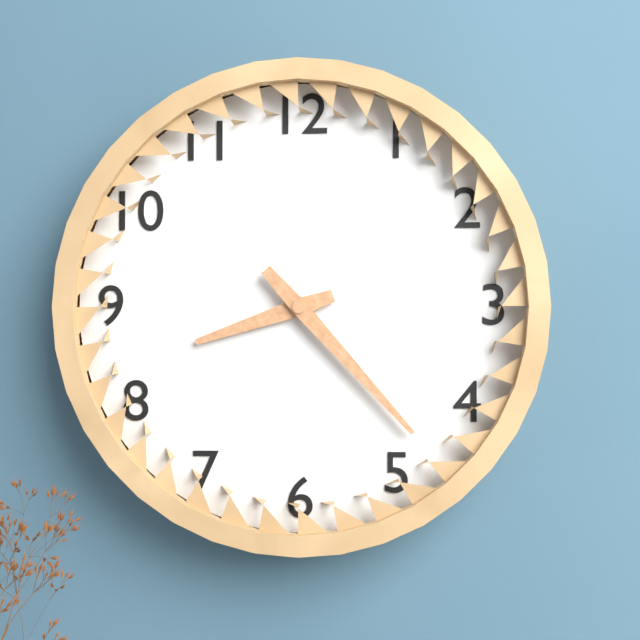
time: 8:23
